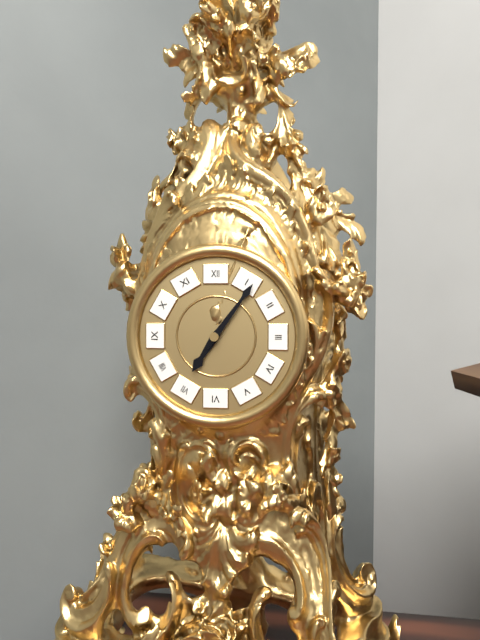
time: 7:06
